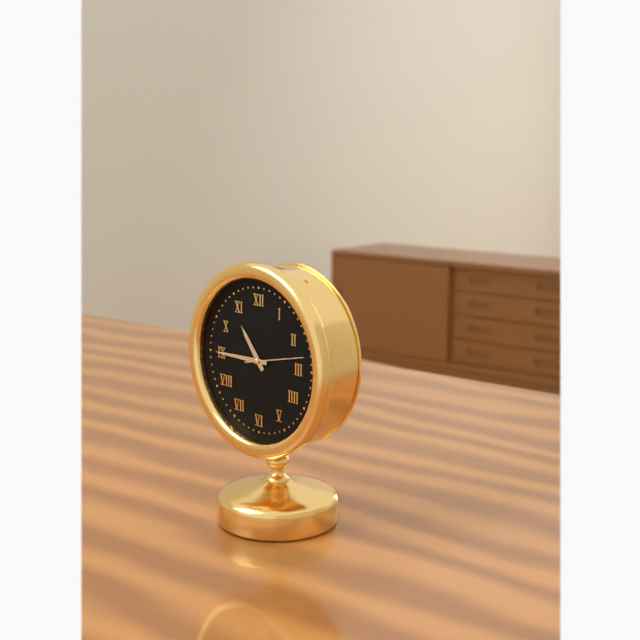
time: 10:45
